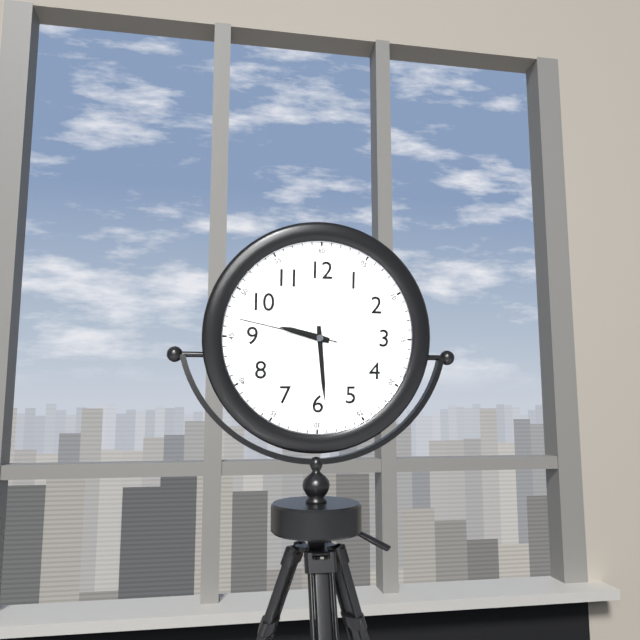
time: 9:29:47
